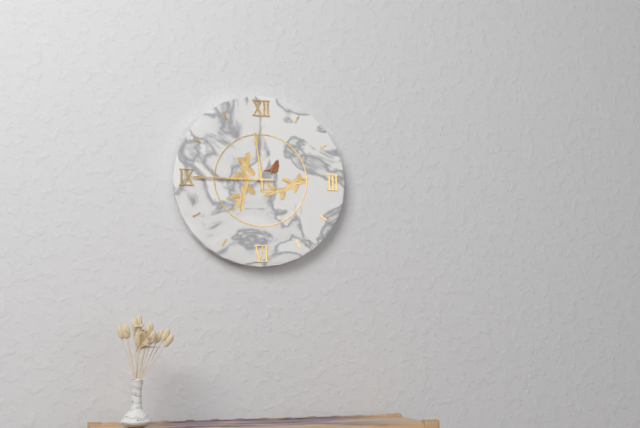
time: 11:45
